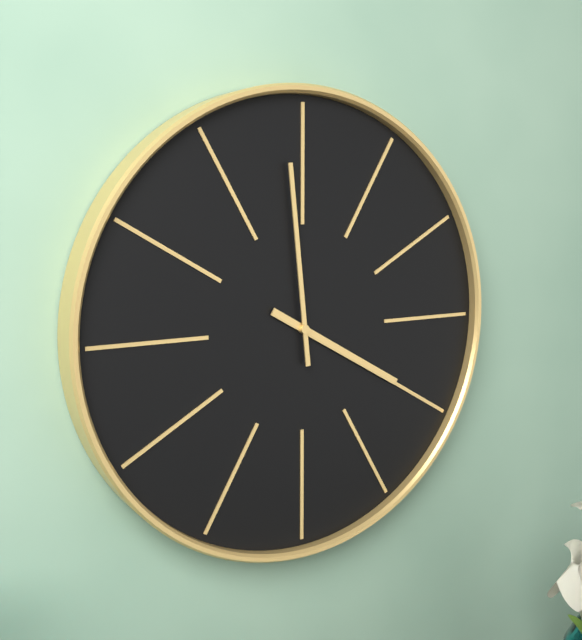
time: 3:59
